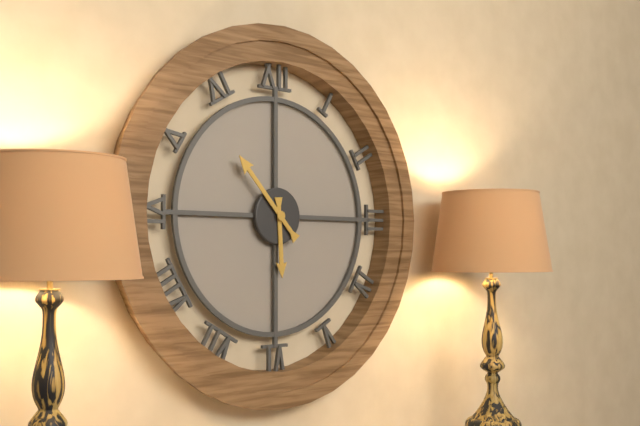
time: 5:53
